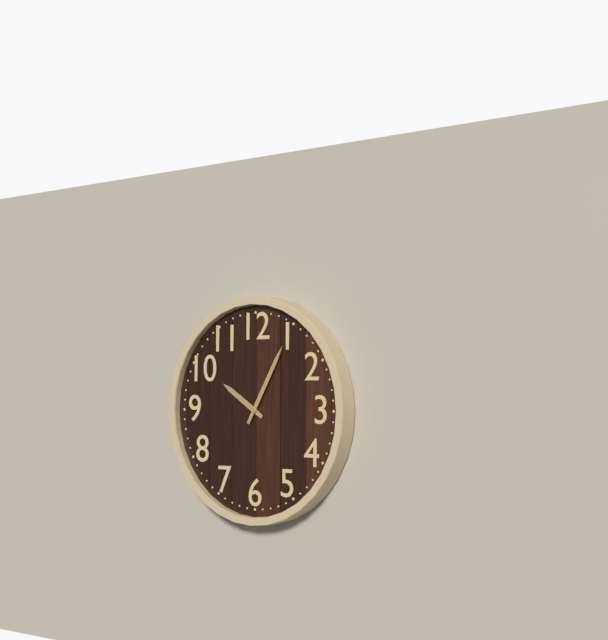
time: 10:05
